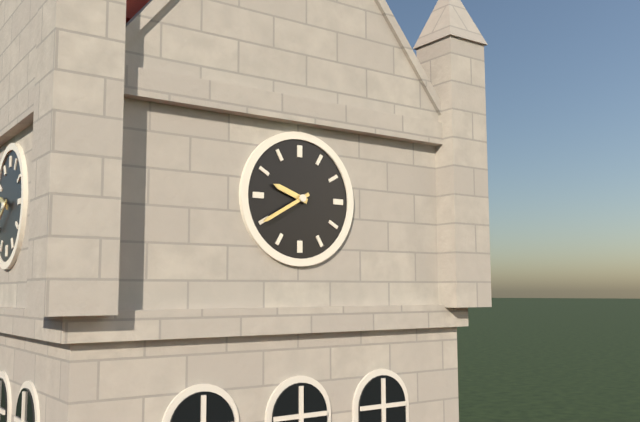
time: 9:40
